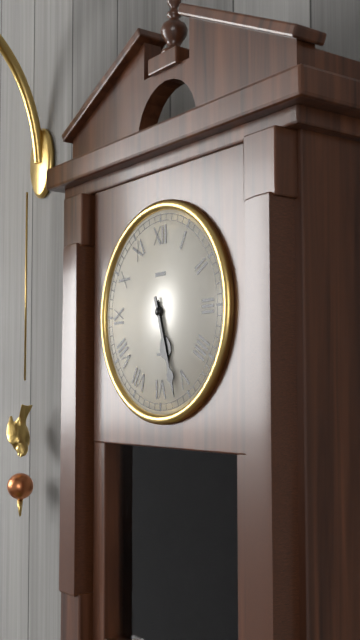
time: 5:27
